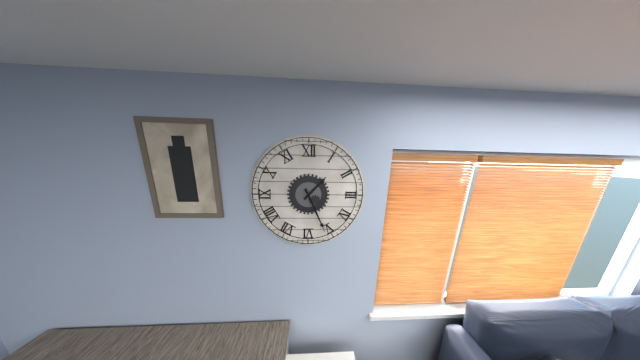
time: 1:26
